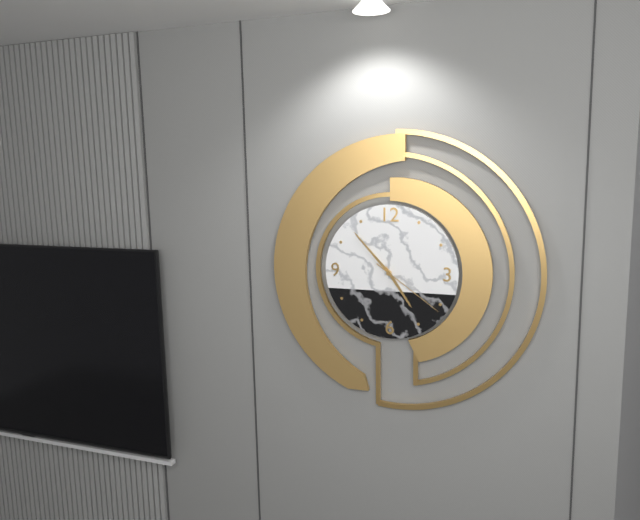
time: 4:53:21
